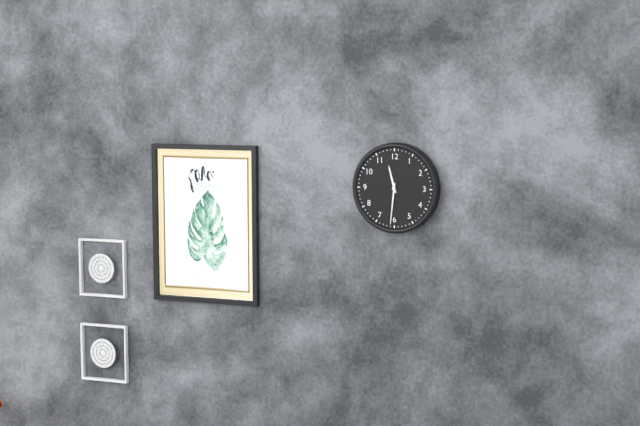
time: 11:31
